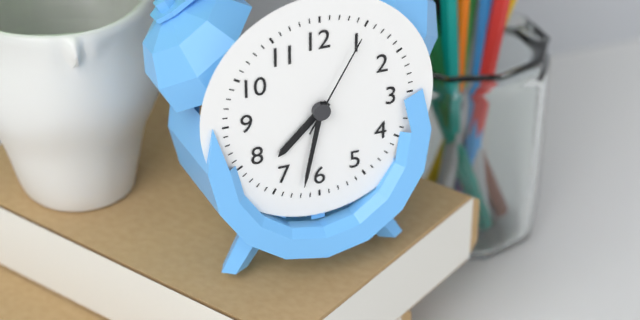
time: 7:32:05
